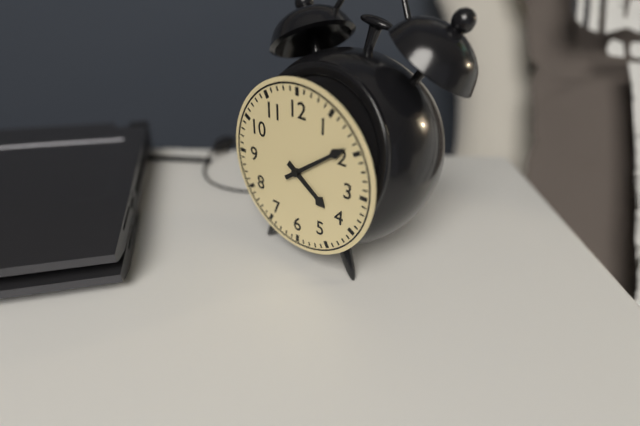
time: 4:09
